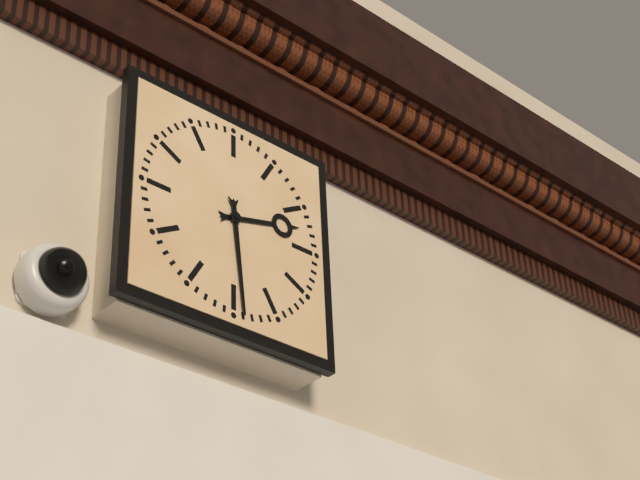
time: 2:29
